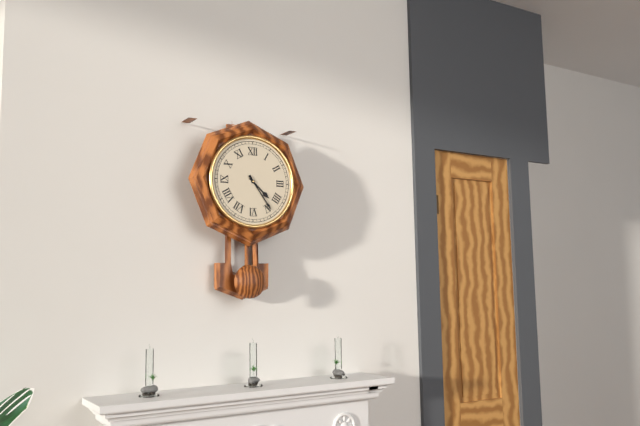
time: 4:24
